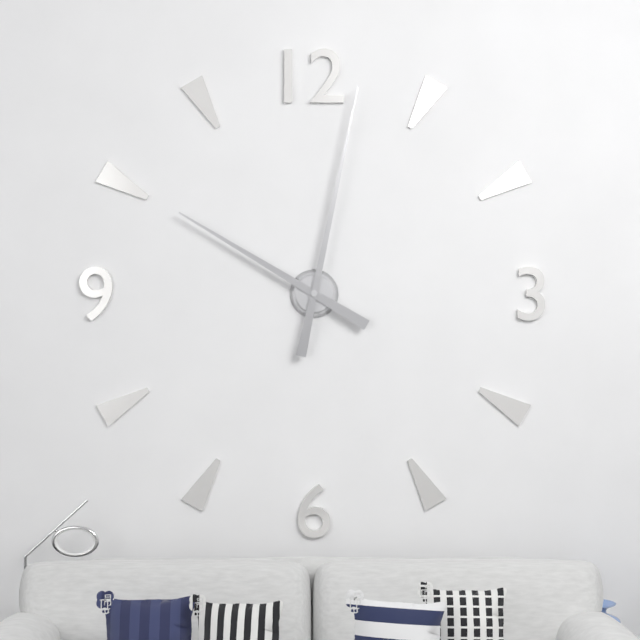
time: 10:02
